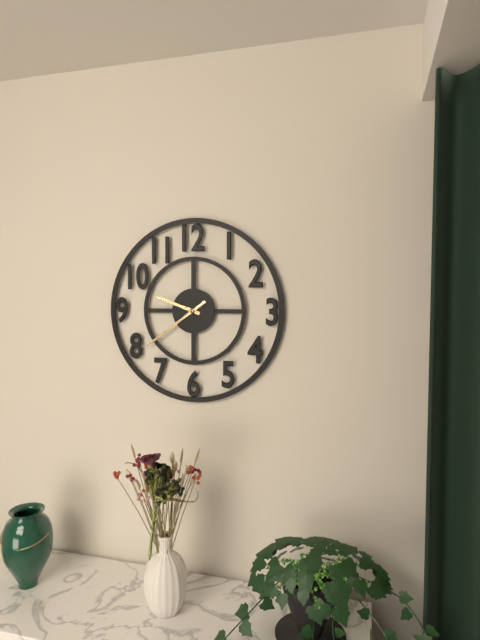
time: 9:39
